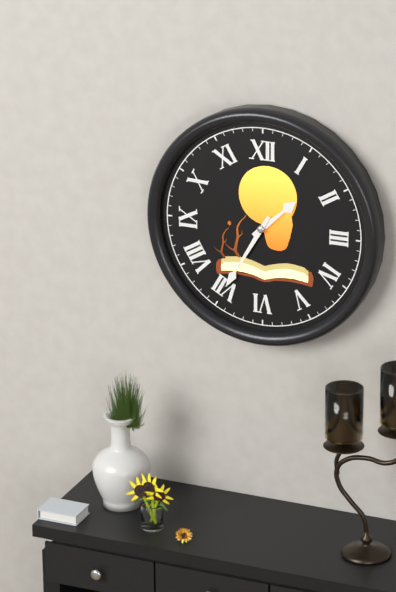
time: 1:35
